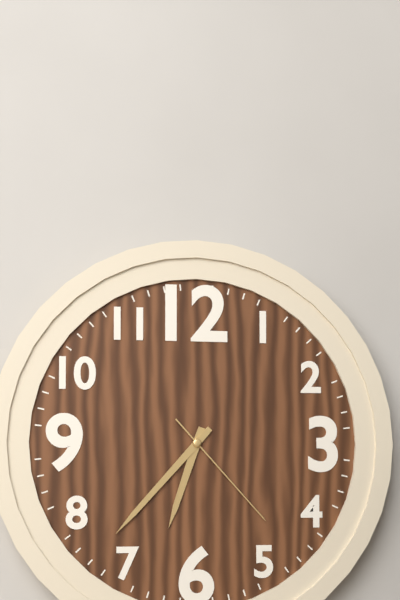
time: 6:37:23
